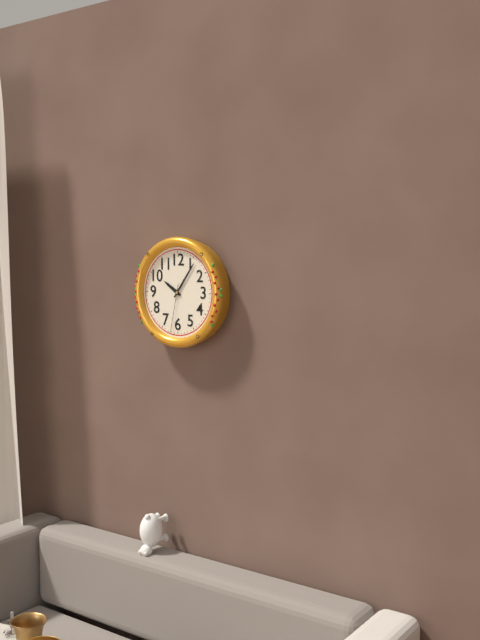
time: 10:06:32
